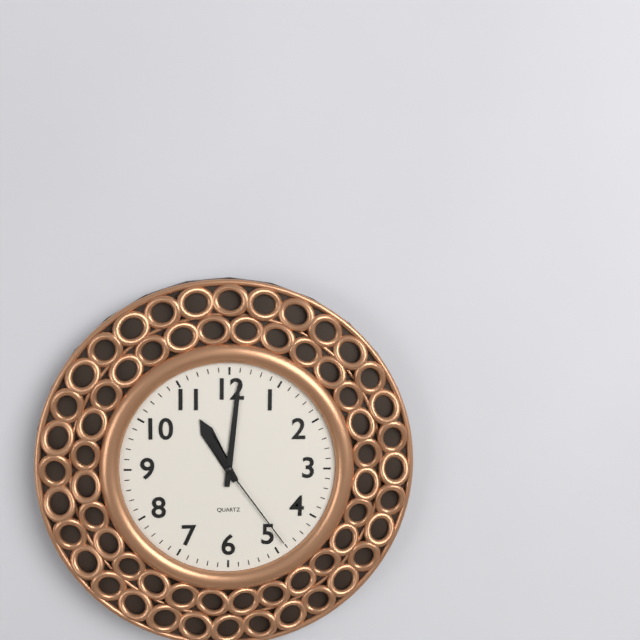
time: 11:01:24
